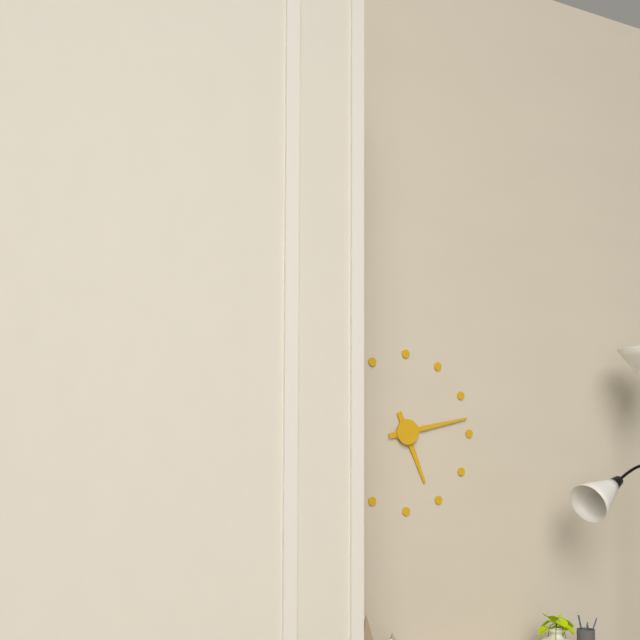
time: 5:13
